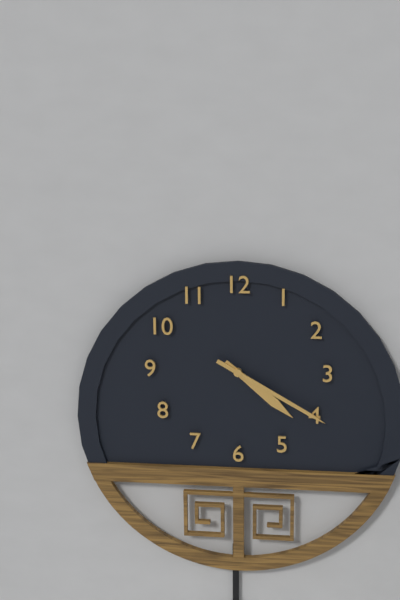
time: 4:20
